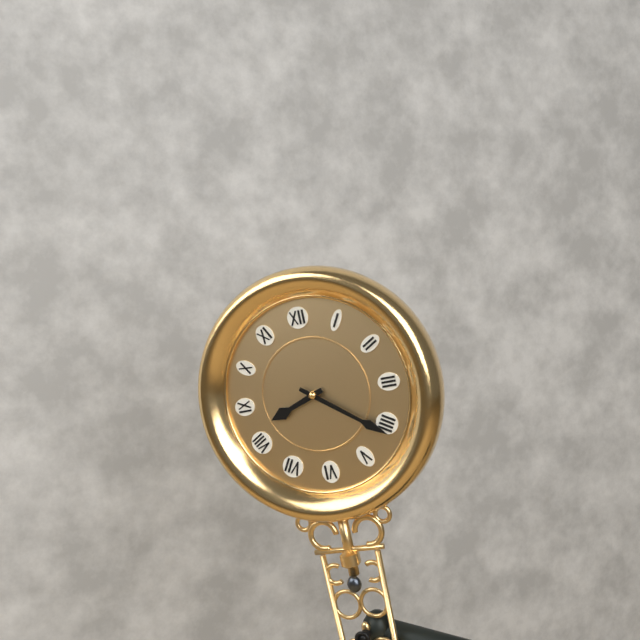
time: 8:21
